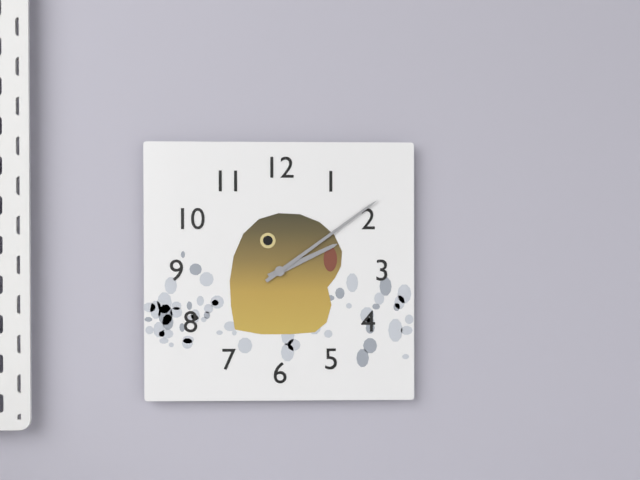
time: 2:09
